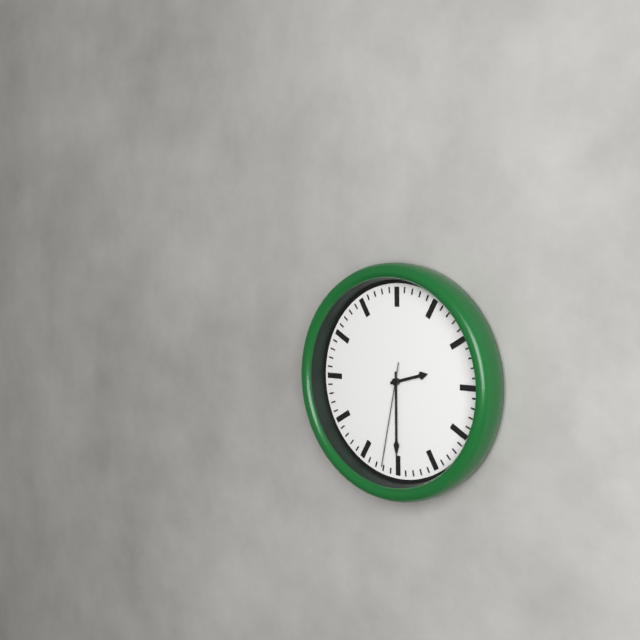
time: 2:30:32
